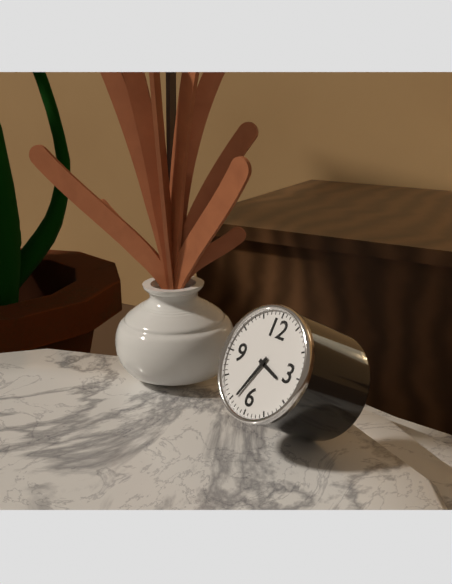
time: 3:34
